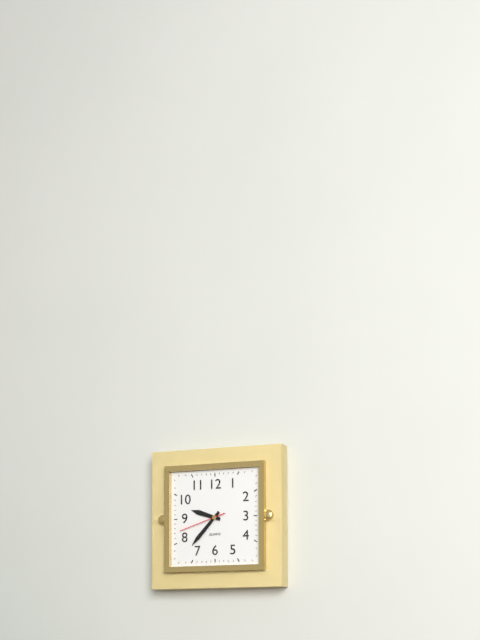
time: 9:37
